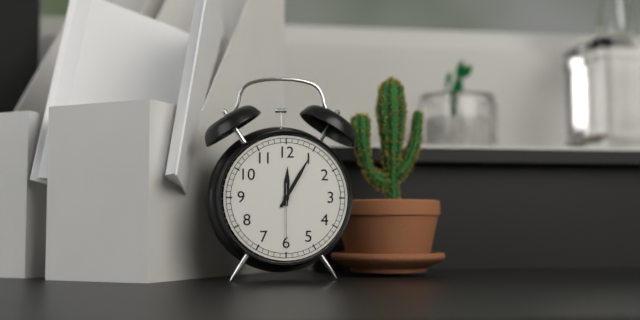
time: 12:05:30
